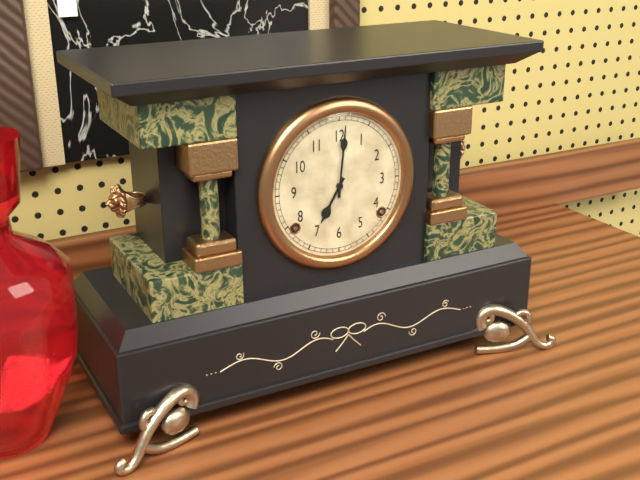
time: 7:01
